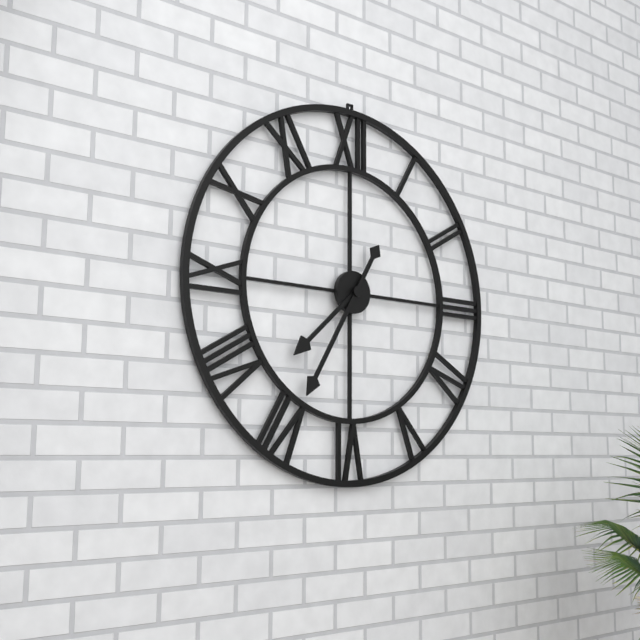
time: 7:35
